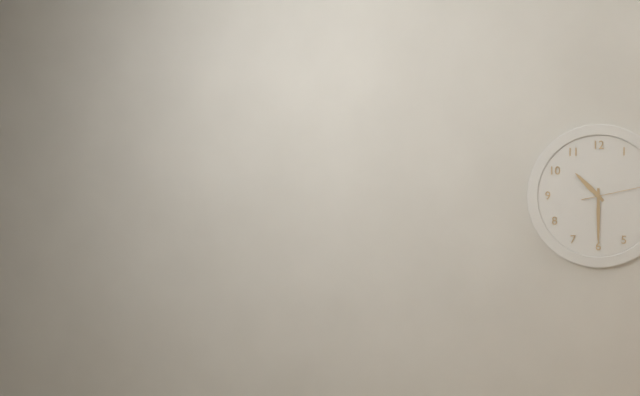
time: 10:30
